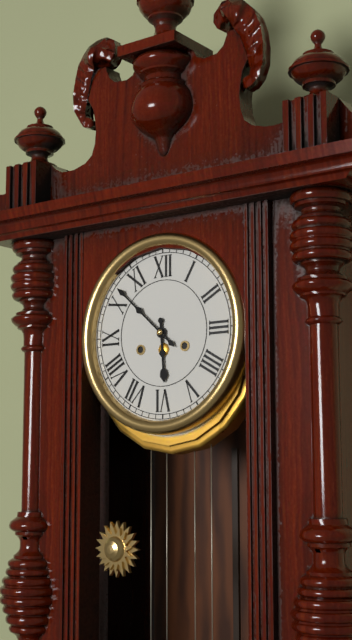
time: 5:52
